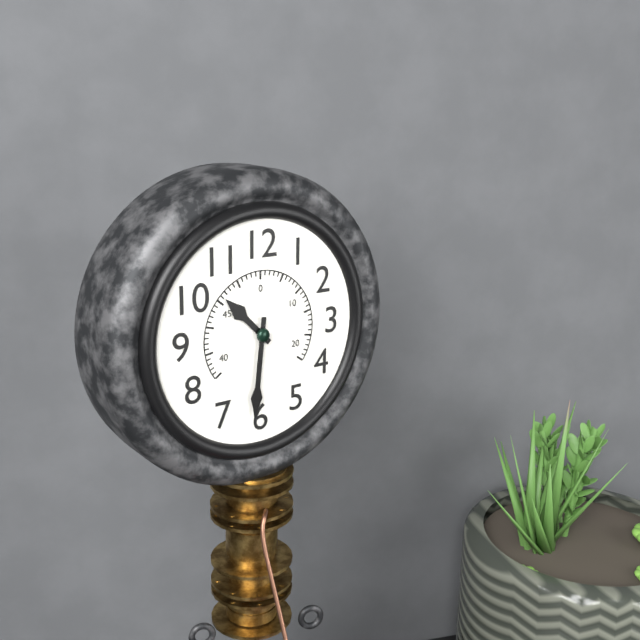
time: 10:31
